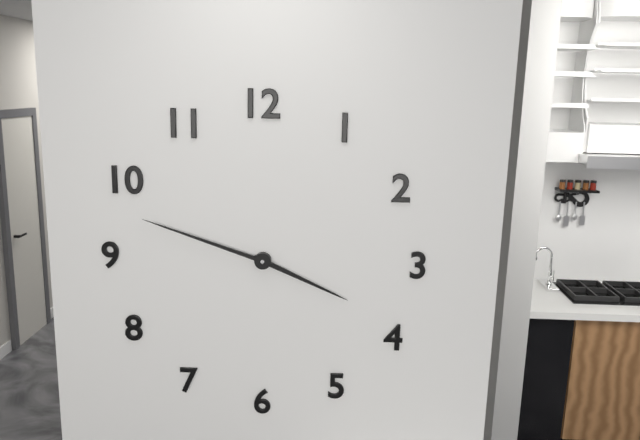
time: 3:48
